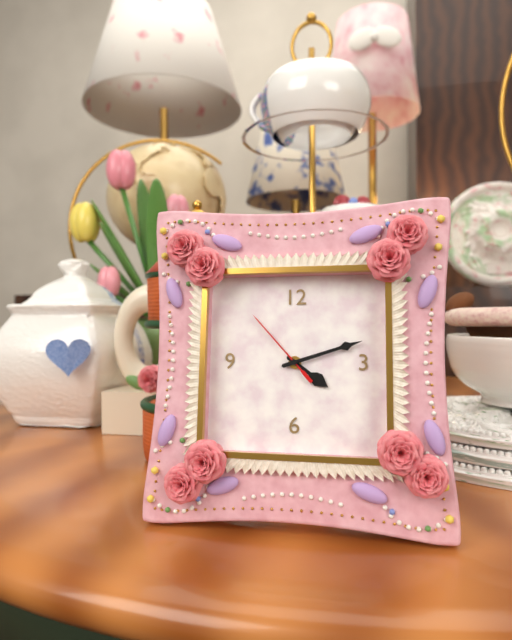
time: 4:12:53
